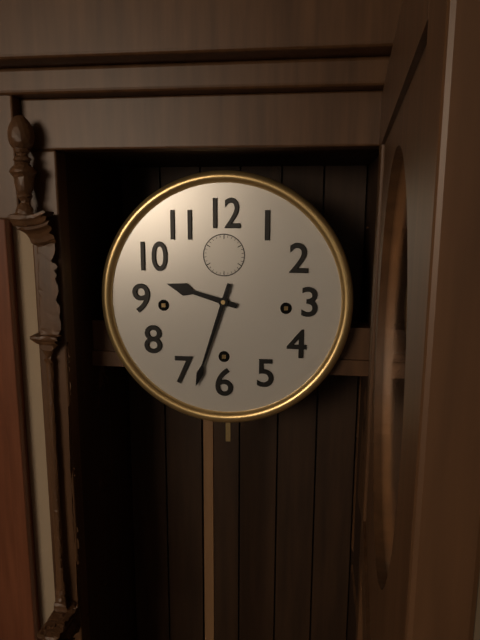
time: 9:33
